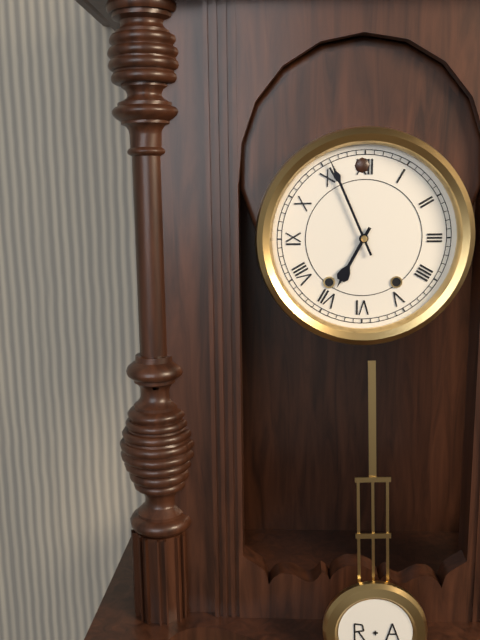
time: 6:56
